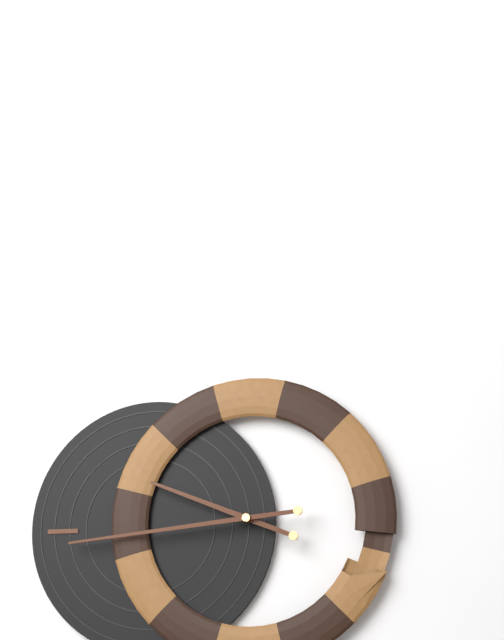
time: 9:44
